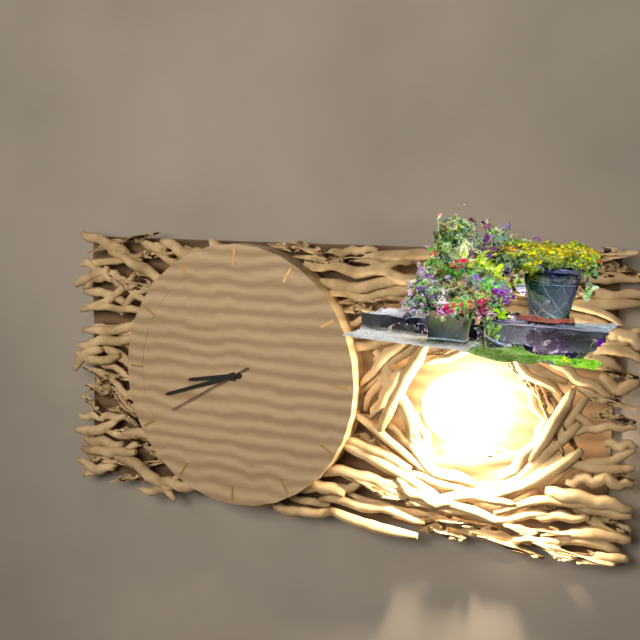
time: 8:42:40
